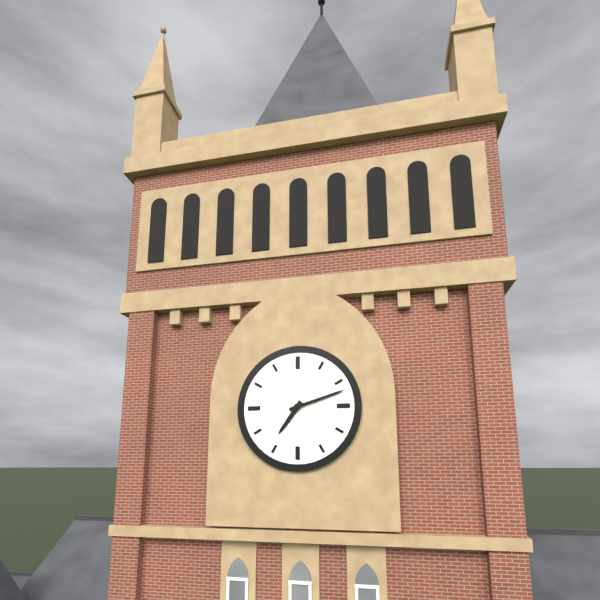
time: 7:12
